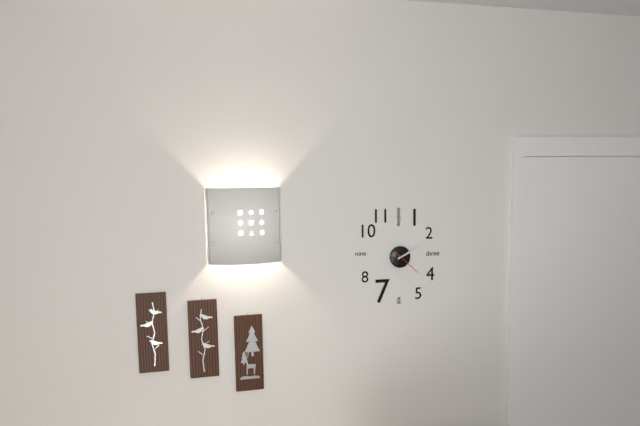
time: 2:10
